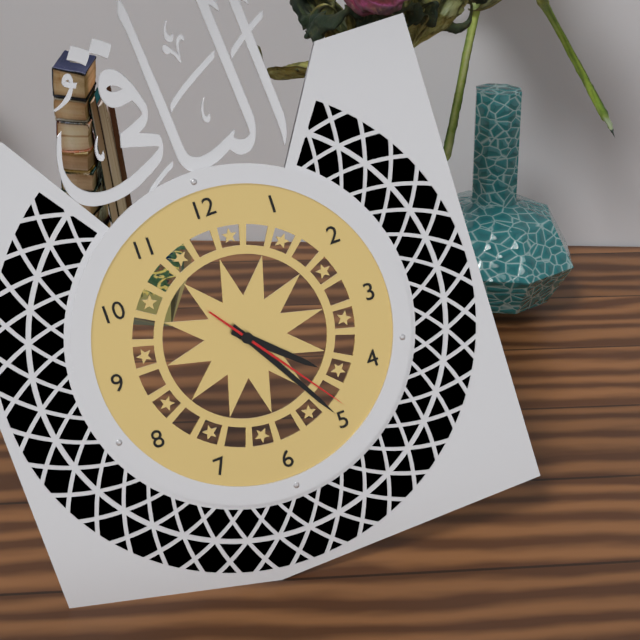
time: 4:25:24
